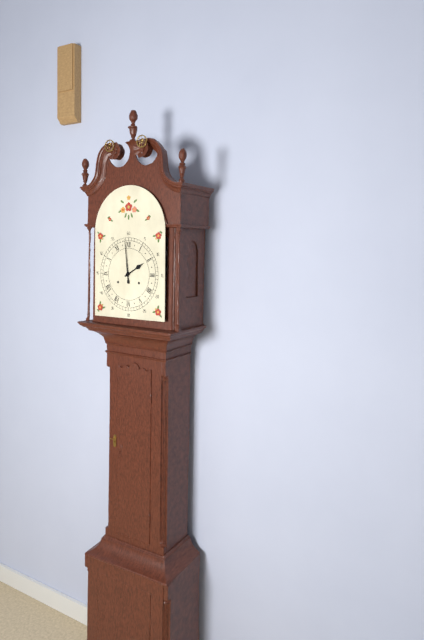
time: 1:59
